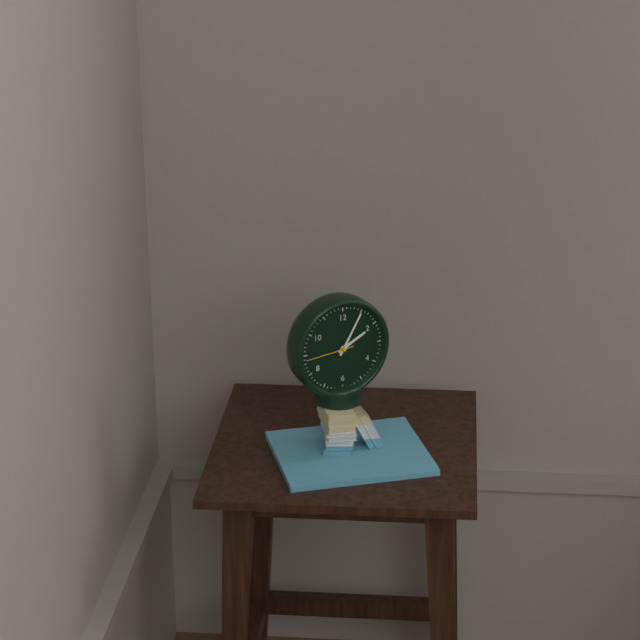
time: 2:05
